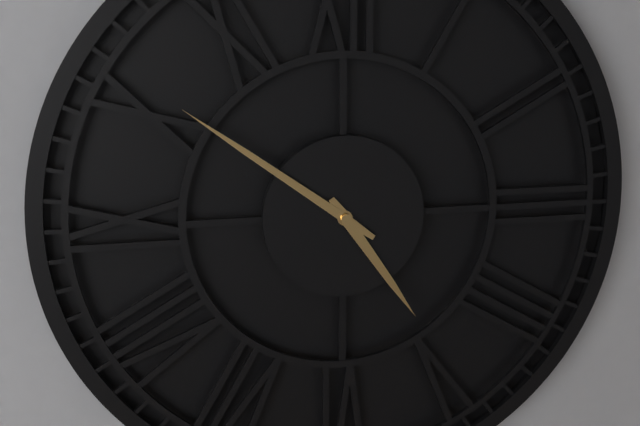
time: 4:51
